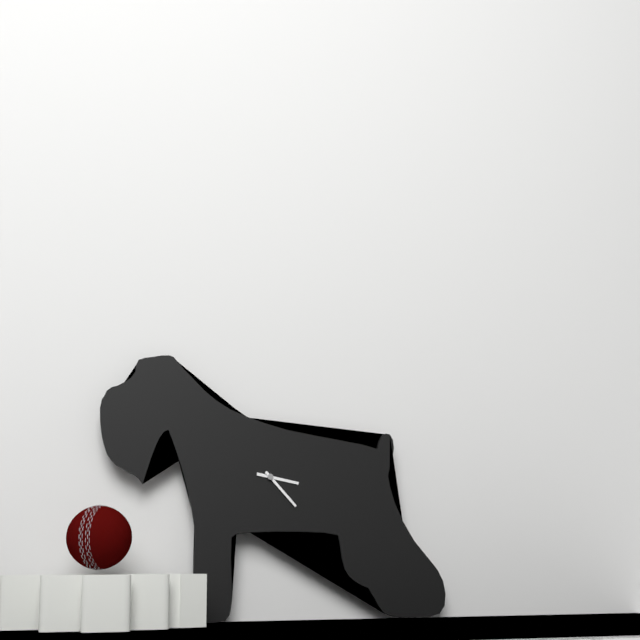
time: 3:23
